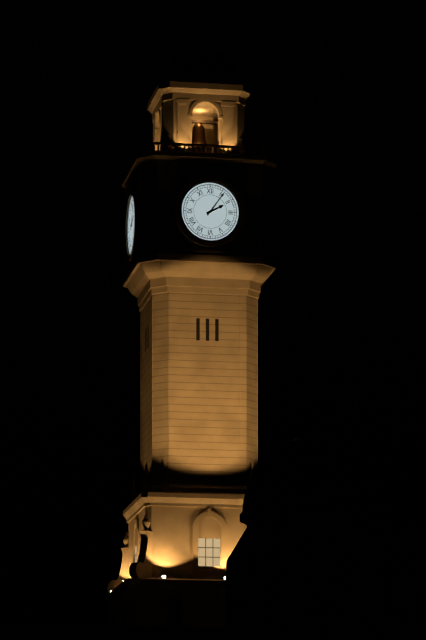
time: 2:06
